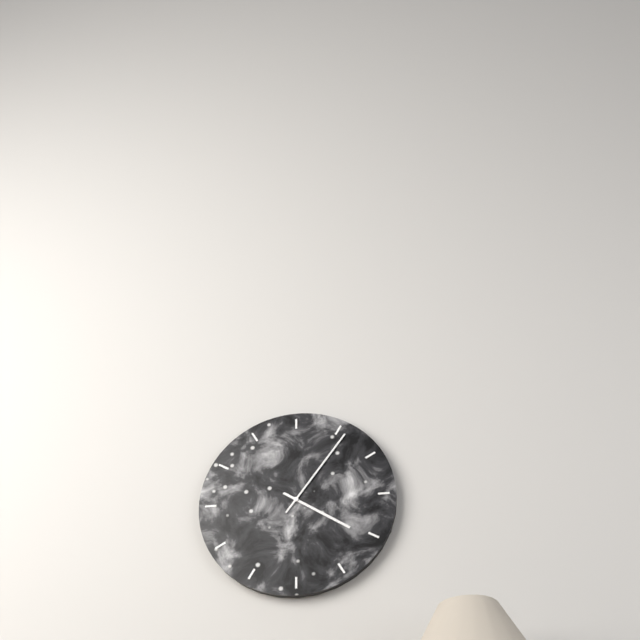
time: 4:06
